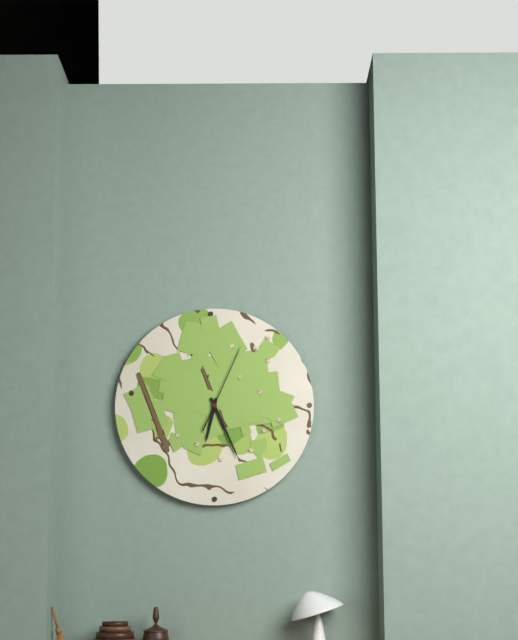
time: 6:26:04
